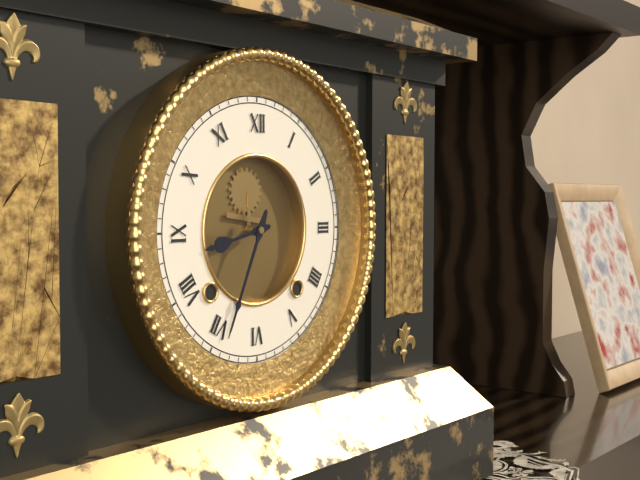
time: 8:34
